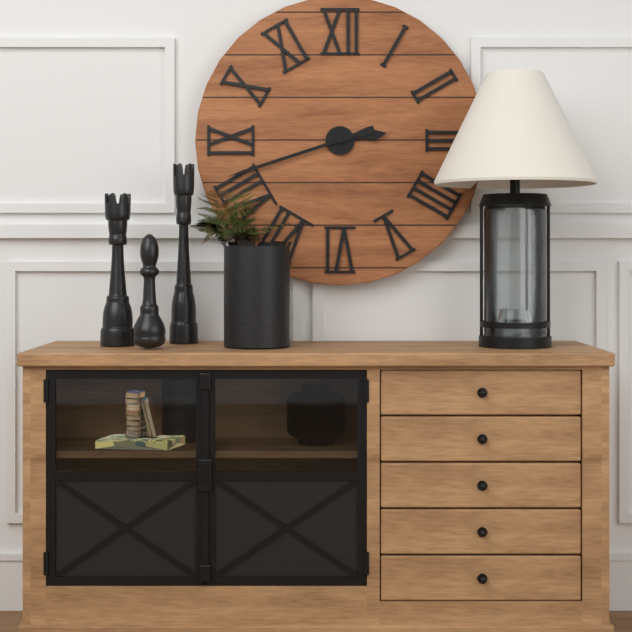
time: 2:42
